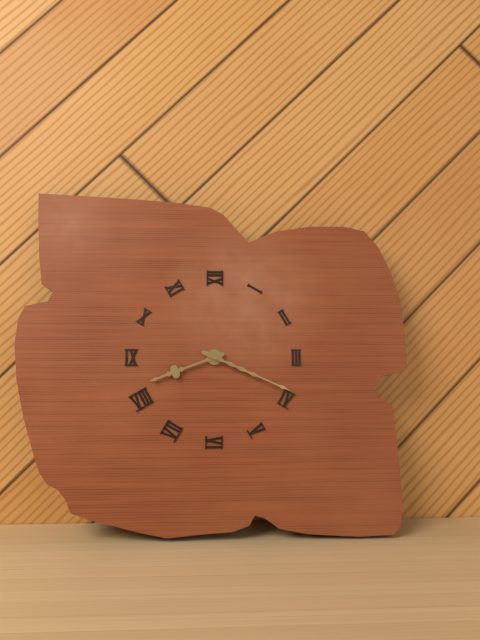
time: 8:19
